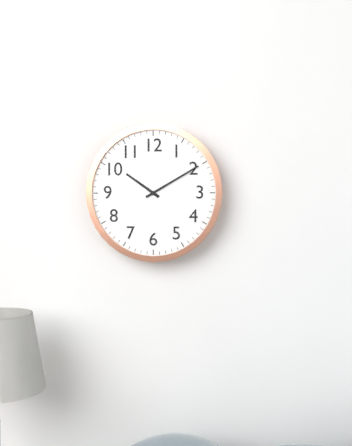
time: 10:10
